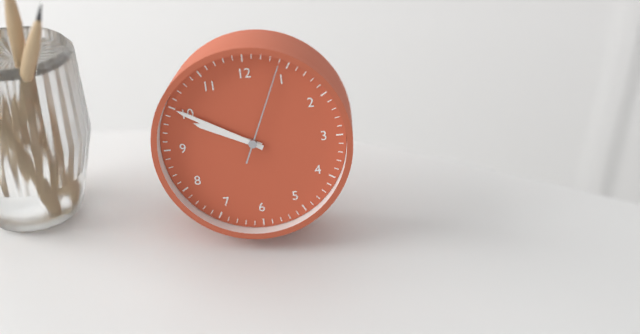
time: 9:50:04
